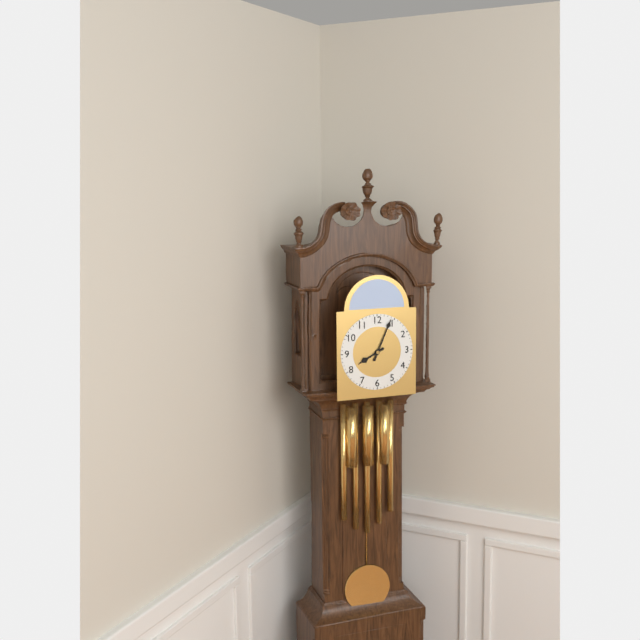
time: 8:04
